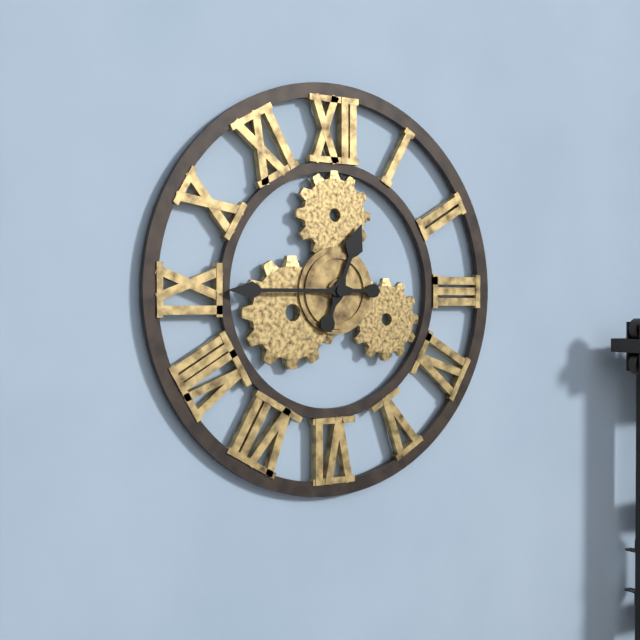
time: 12:45
